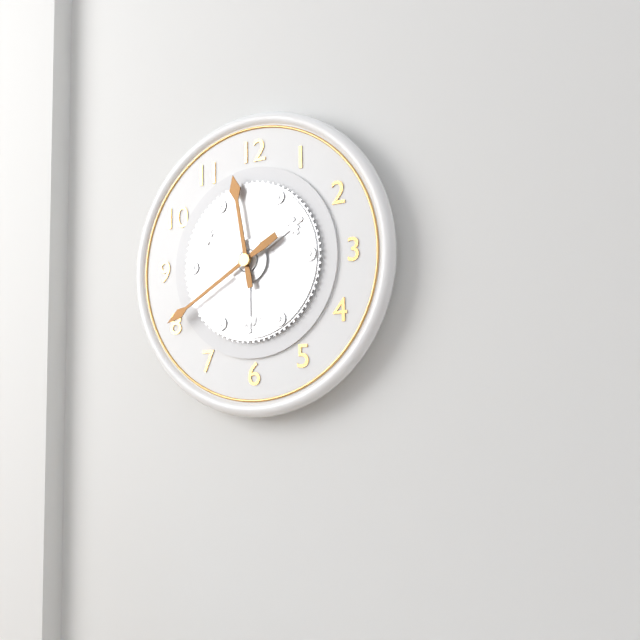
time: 11:40
